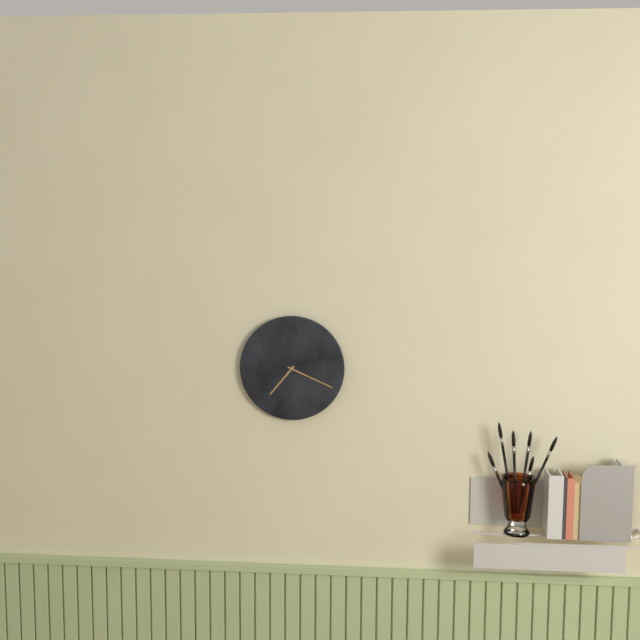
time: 7:19
